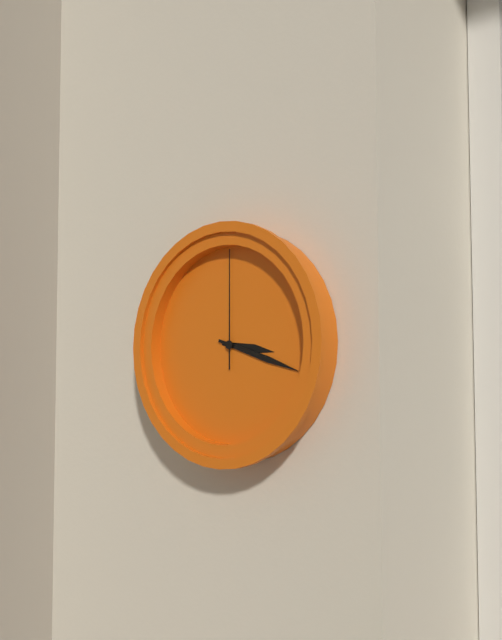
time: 3:18:00
